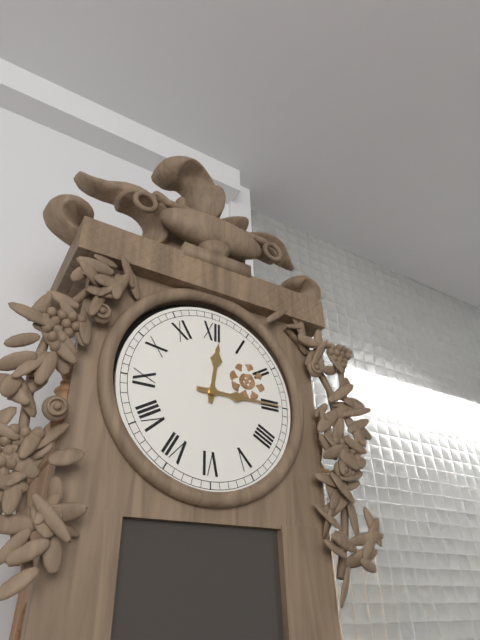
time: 12:15
